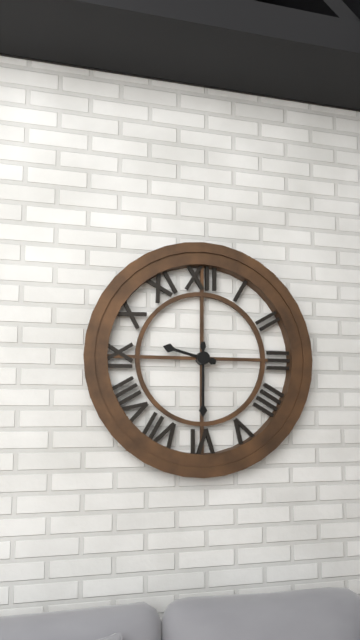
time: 9:30
